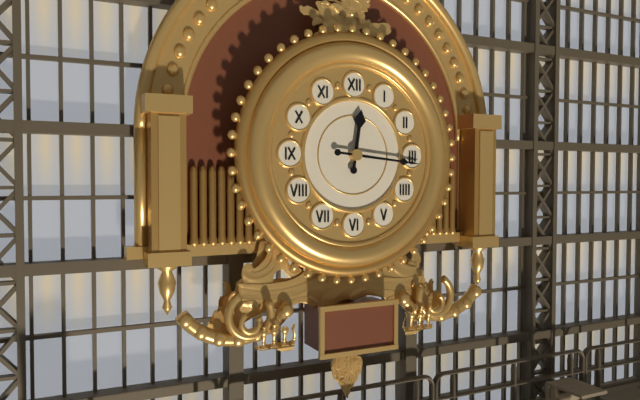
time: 12:16
